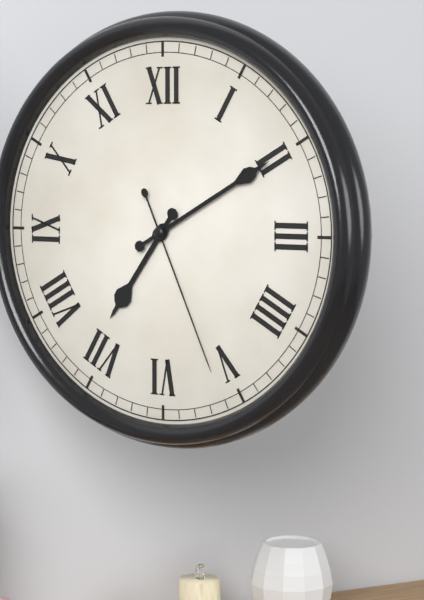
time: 7:10:26
